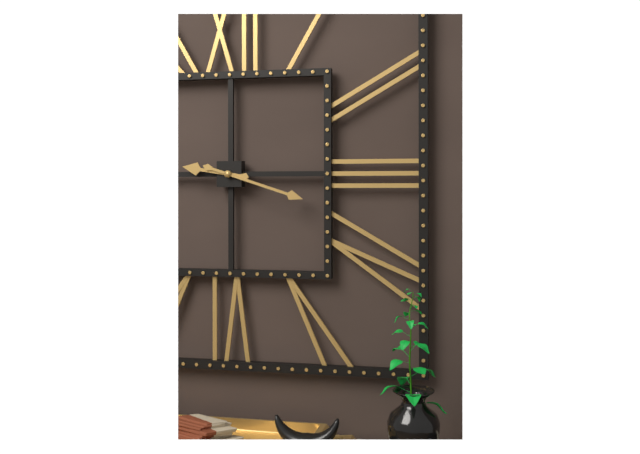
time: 9:18
